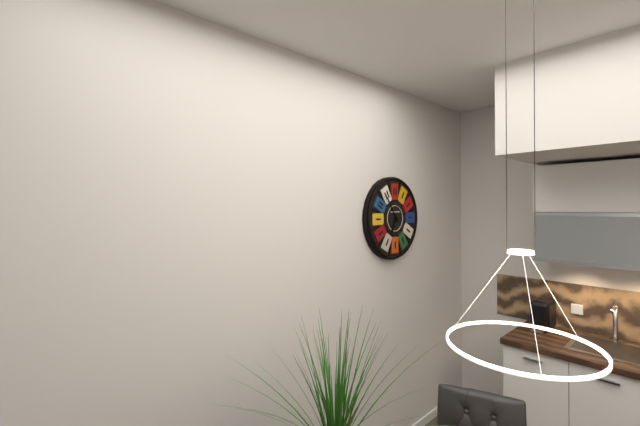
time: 6:54
